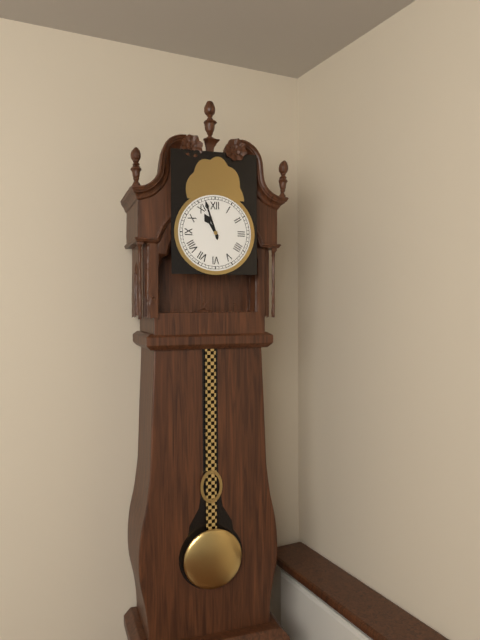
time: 10:57
